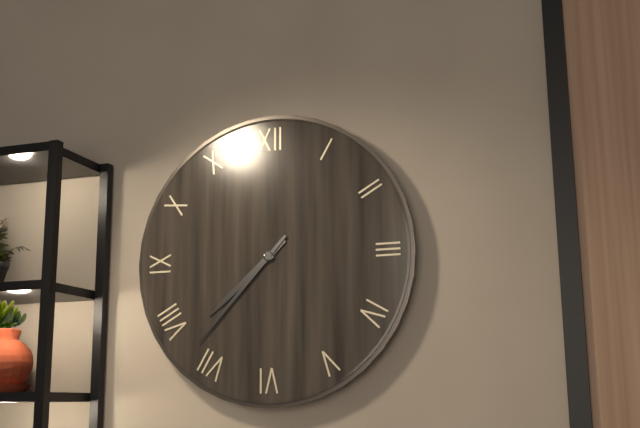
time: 7:37
